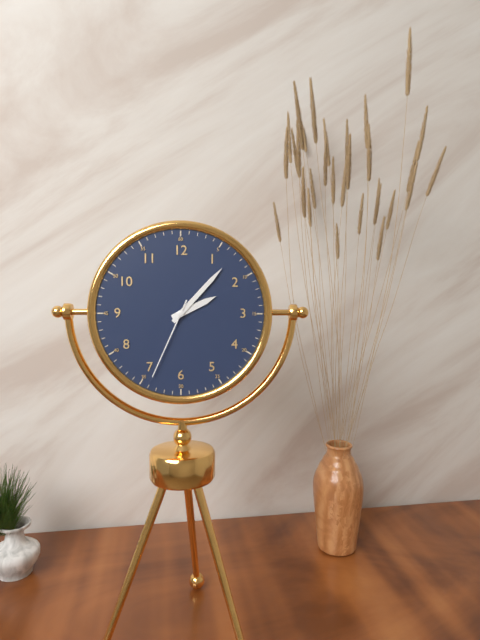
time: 2:07:34
